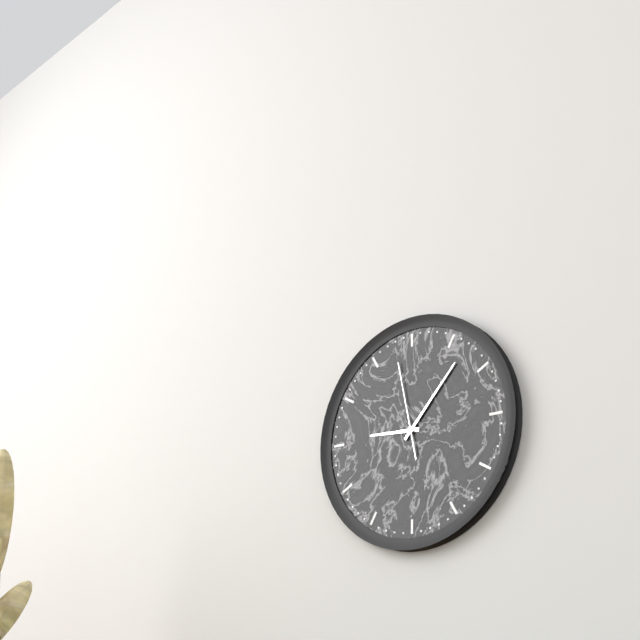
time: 9:07:58
